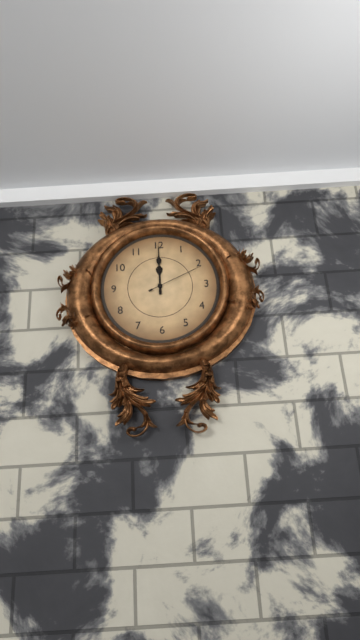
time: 12:00:11
